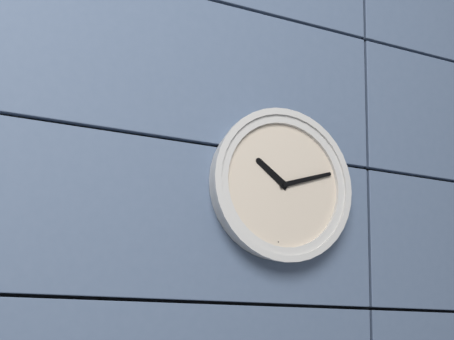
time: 10:12
